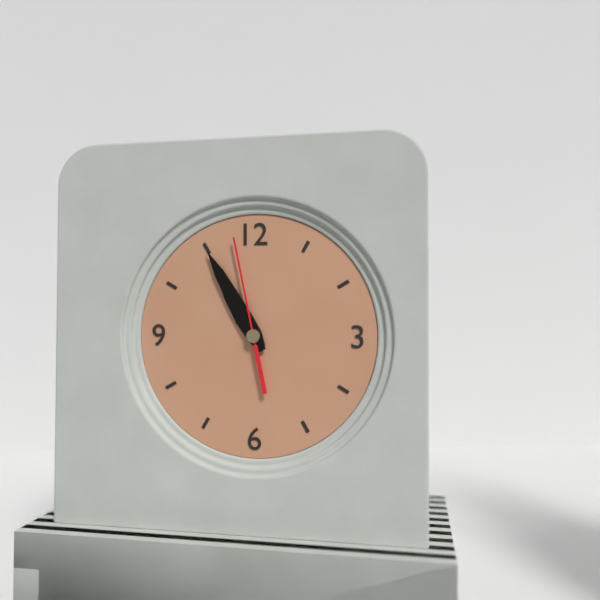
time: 10:55:58
